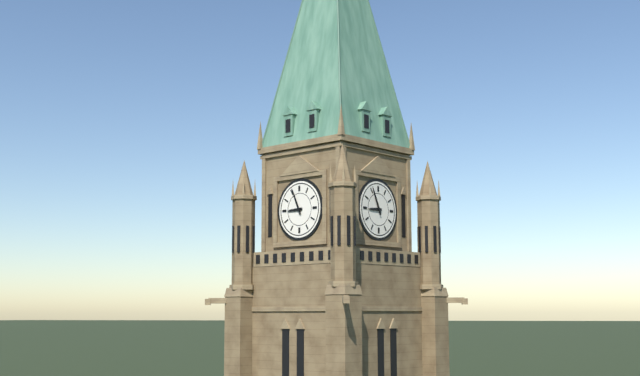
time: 8:56
